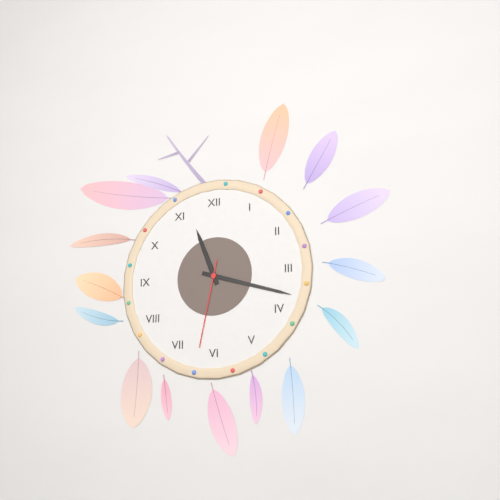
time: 11:18:32
